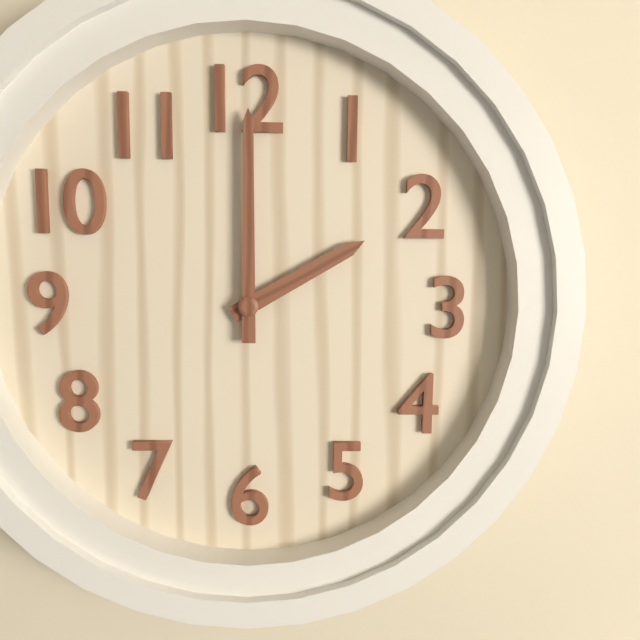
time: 2:00
